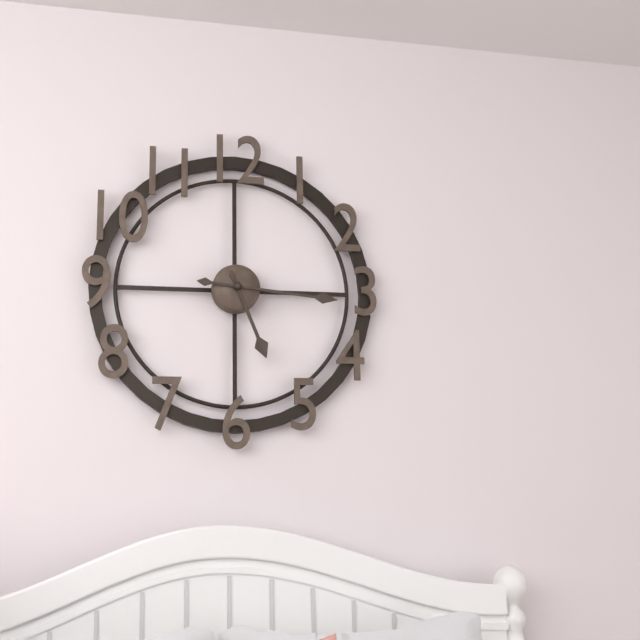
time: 5:16
